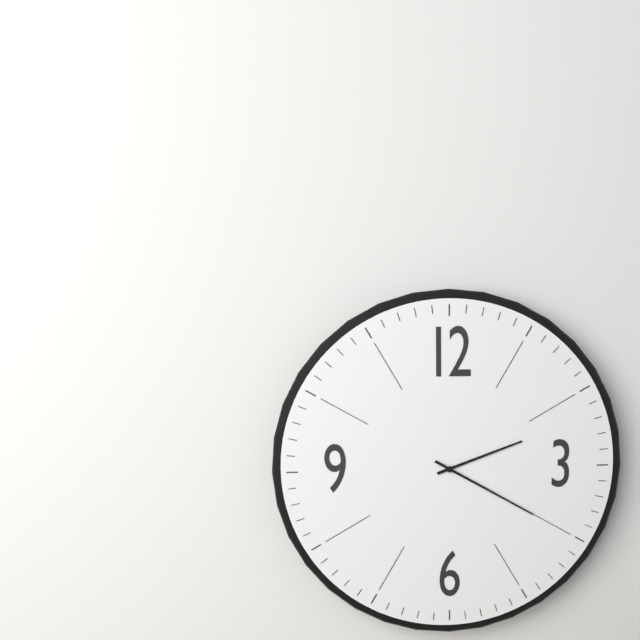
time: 2:20
